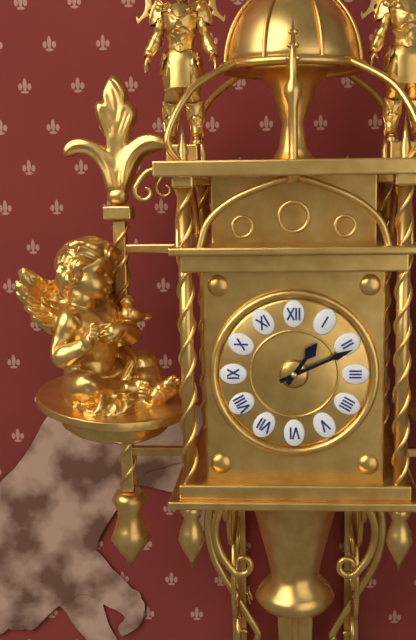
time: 1:11
